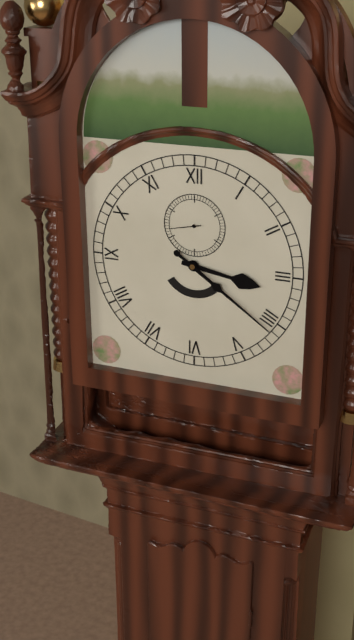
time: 3:21
